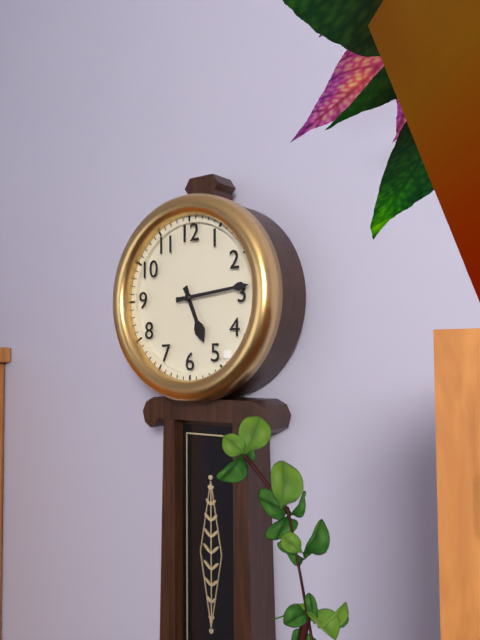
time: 5:14
